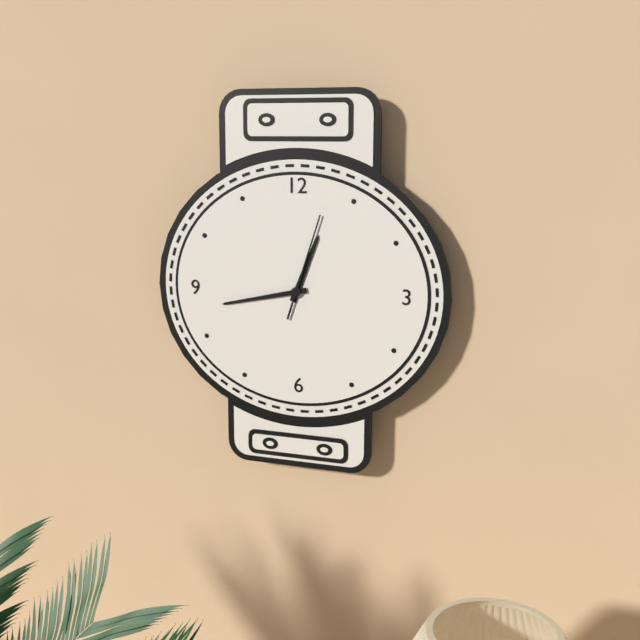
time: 12:43:03
